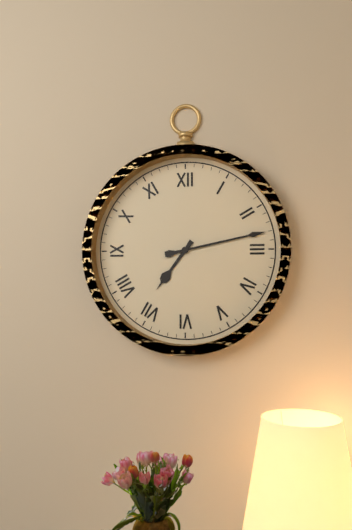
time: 7:13
